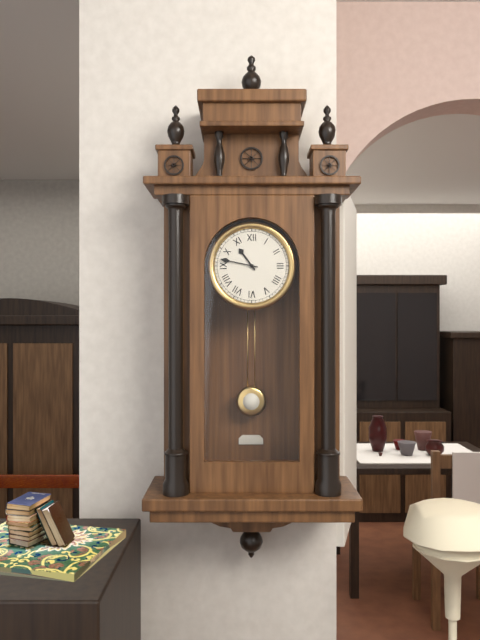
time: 10:47
